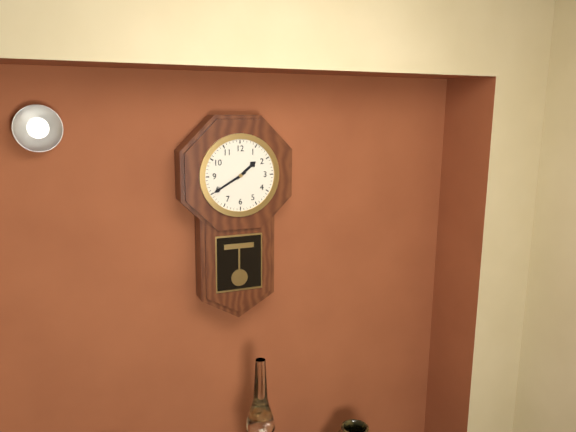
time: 1:40
